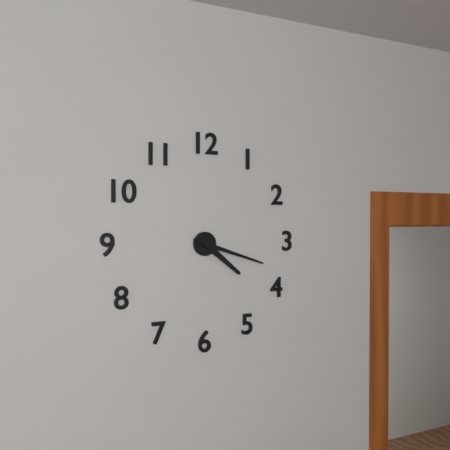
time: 4:18
